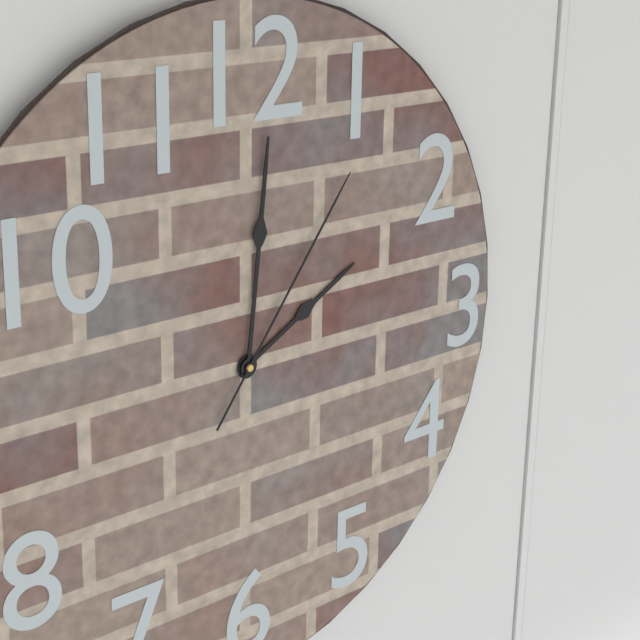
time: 2:01:06
